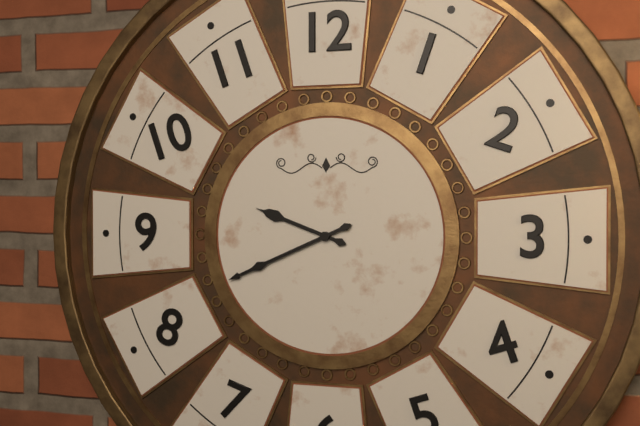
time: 9:41
